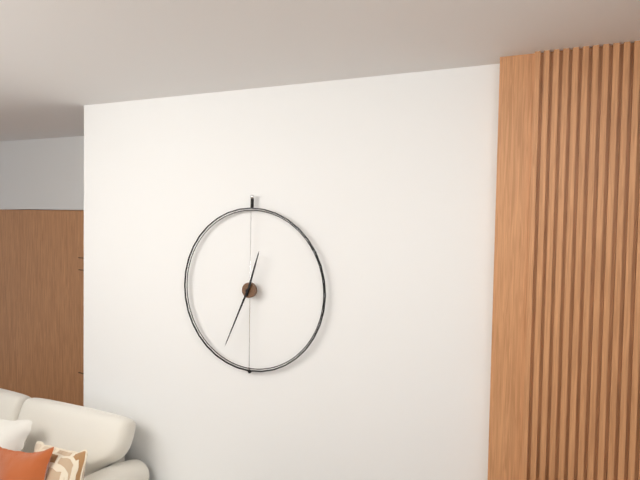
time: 12:34
